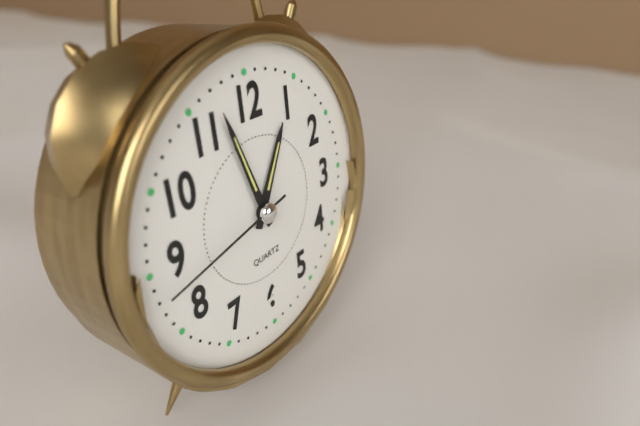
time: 12:57:43
